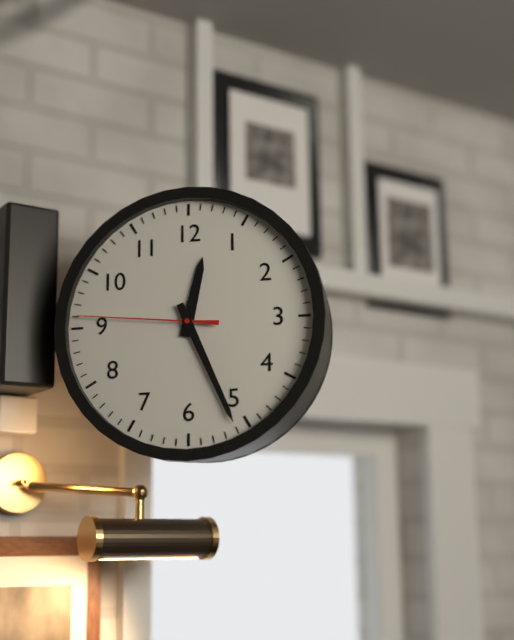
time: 12:26:46
